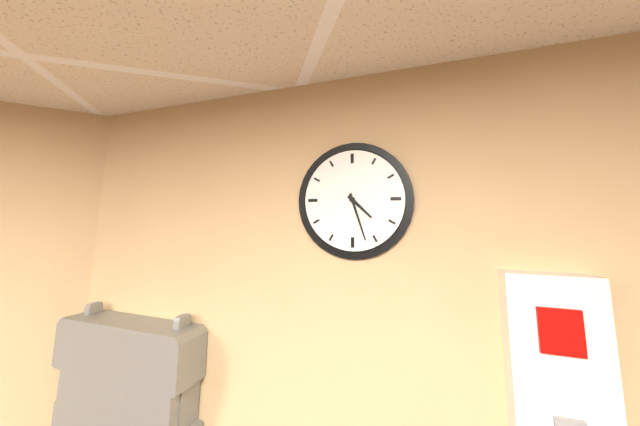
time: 4:27
